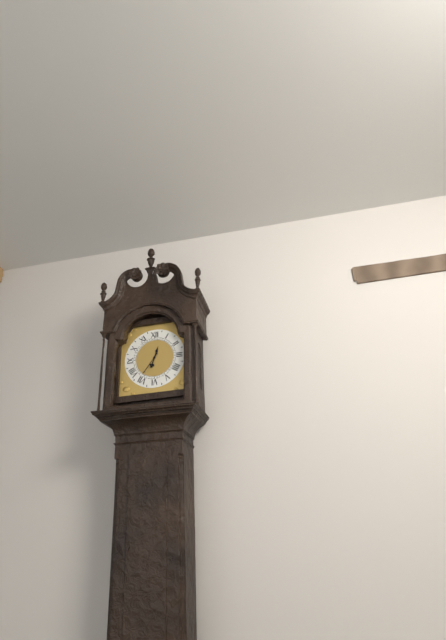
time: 12:36
